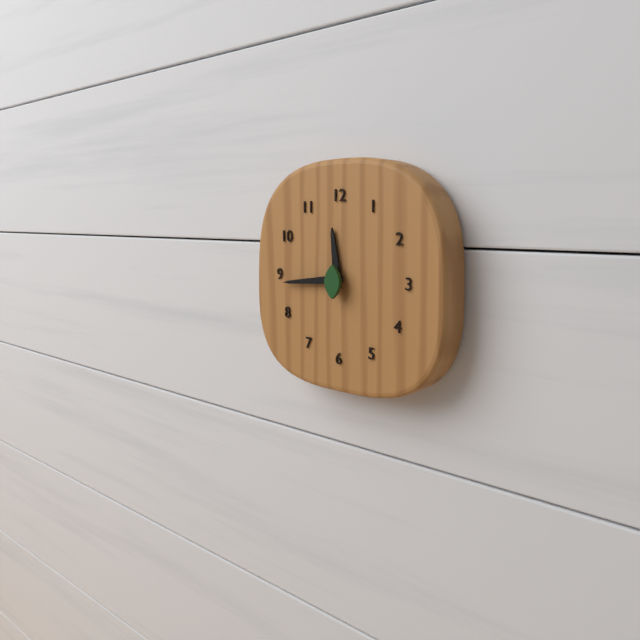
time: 11:44
